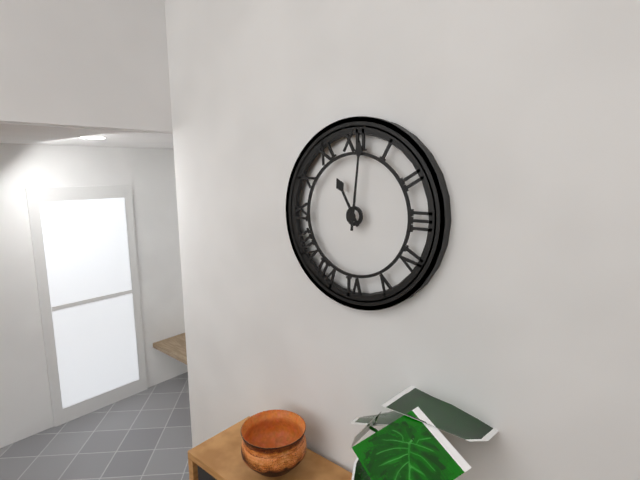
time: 11:01
